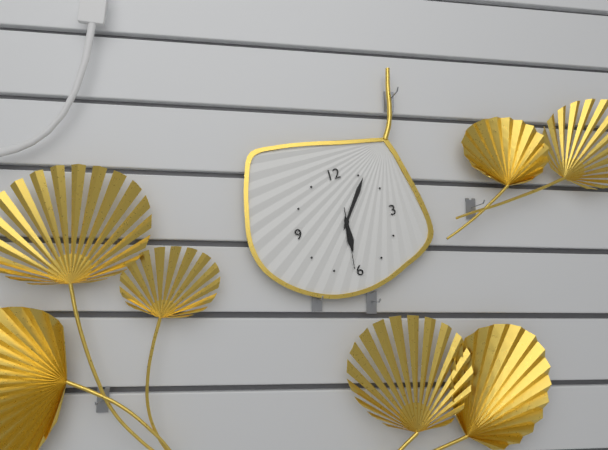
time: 6:06:31
